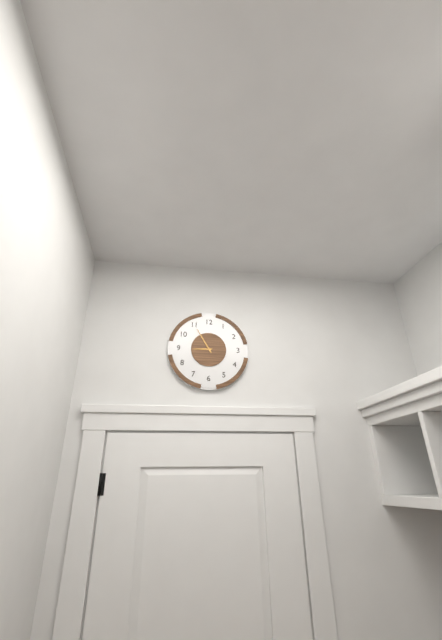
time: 8:55
